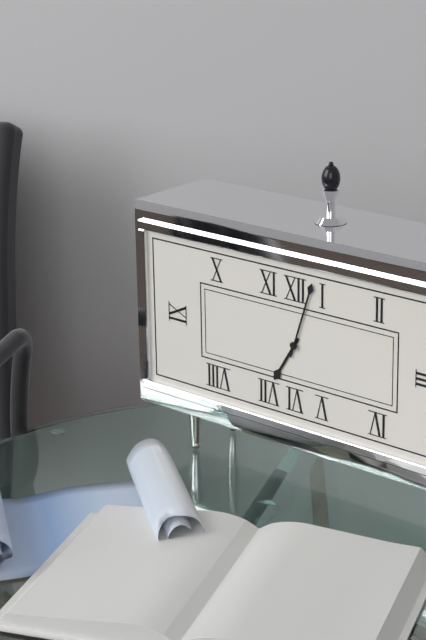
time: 7:03
